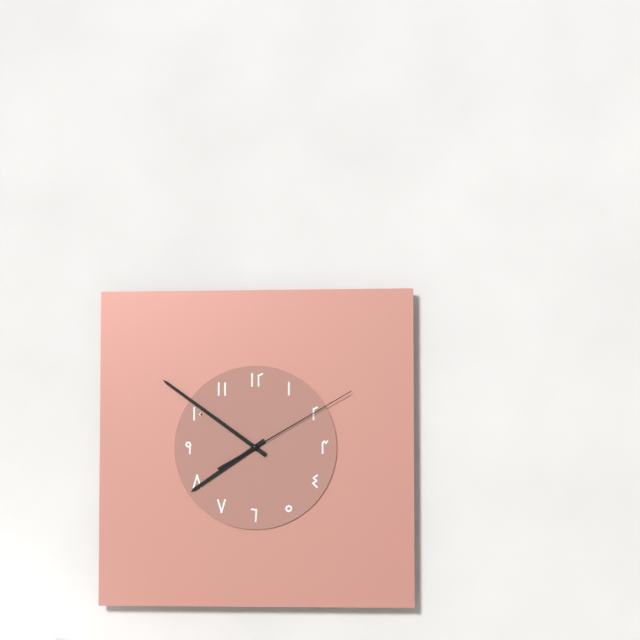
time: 7:51:10
